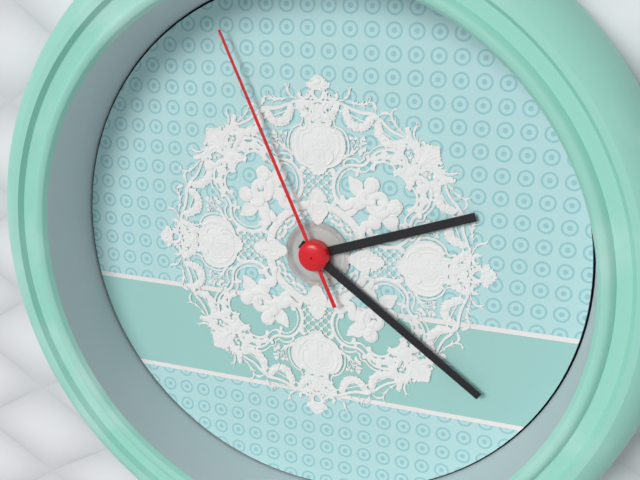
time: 2:21:56
